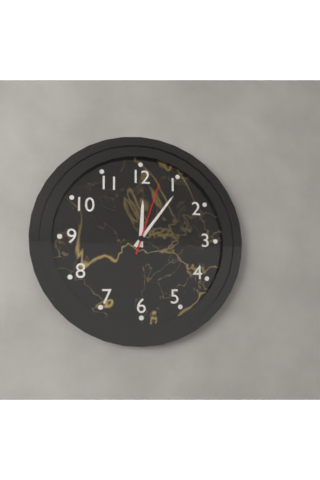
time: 12:06:03
